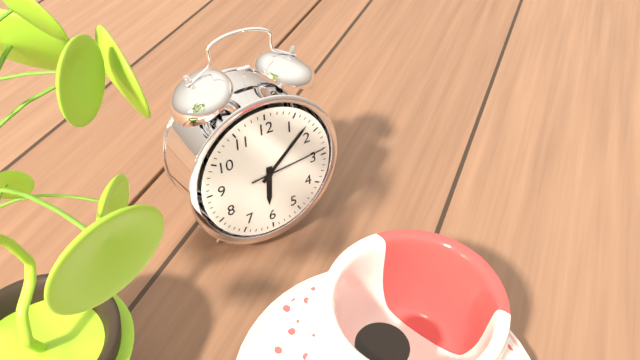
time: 6:08:14
